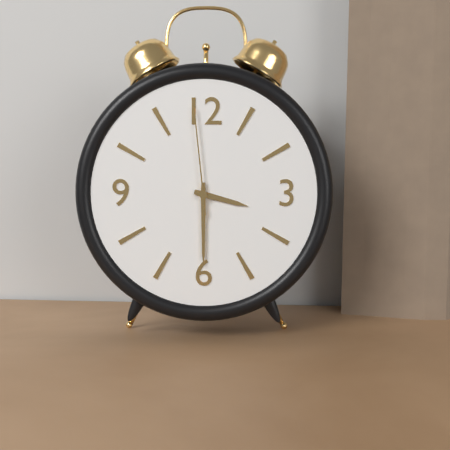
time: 3:30:59
